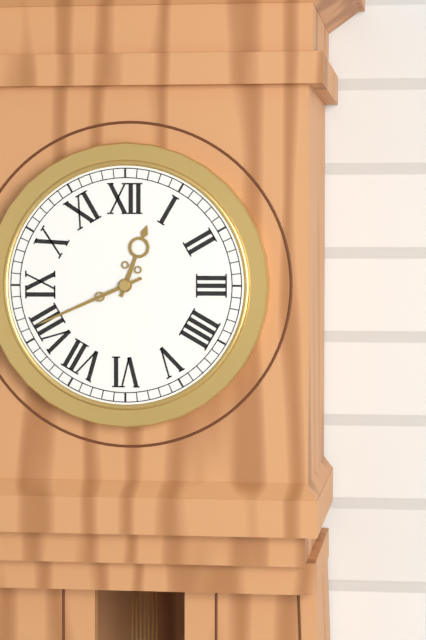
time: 12:41
